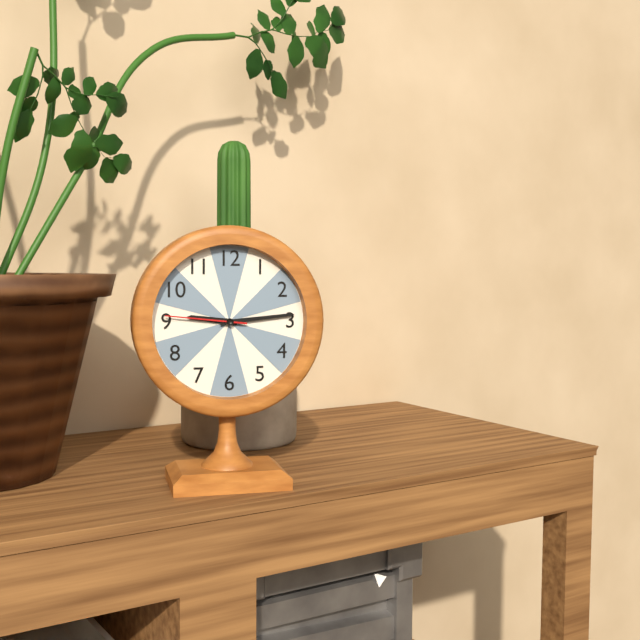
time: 9:14:46
